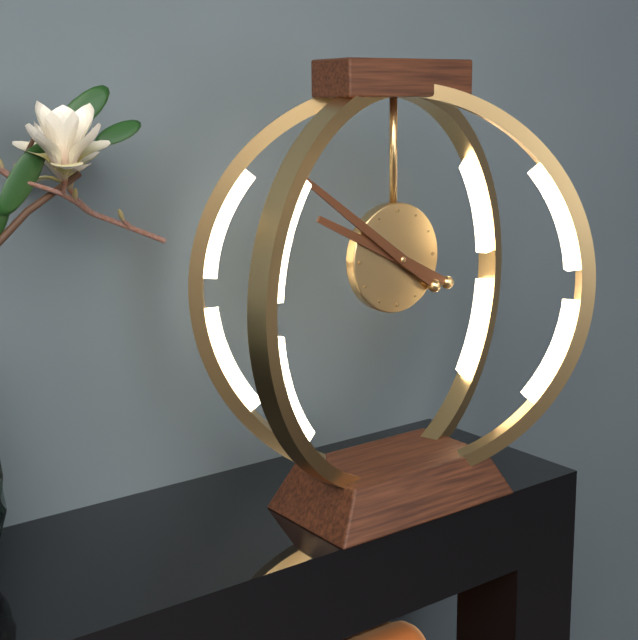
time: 9:51
